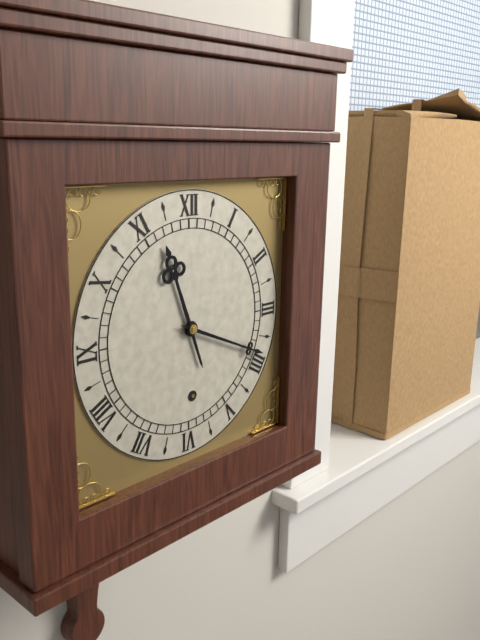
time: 11:19
